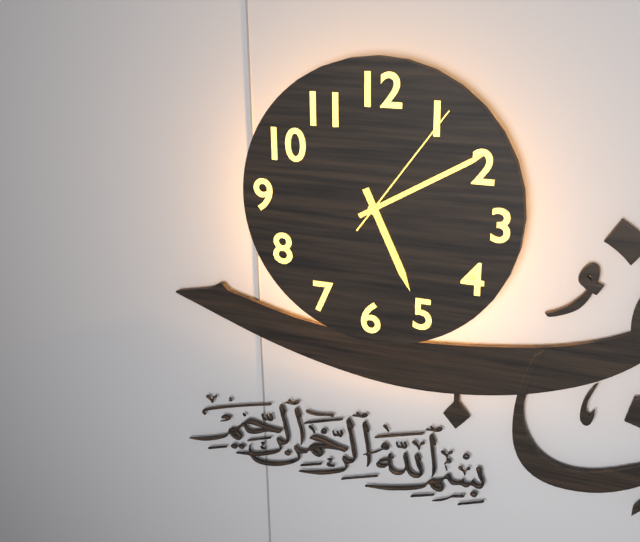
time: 5:10:06
